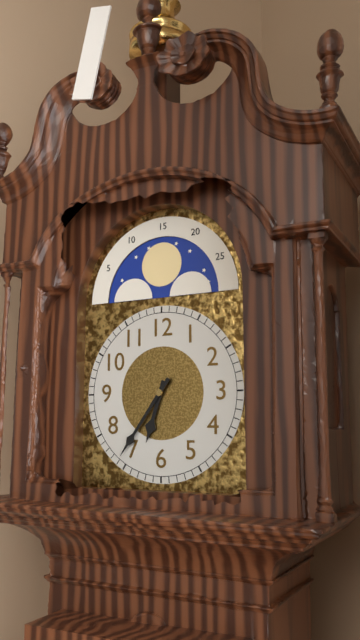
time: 6:36
